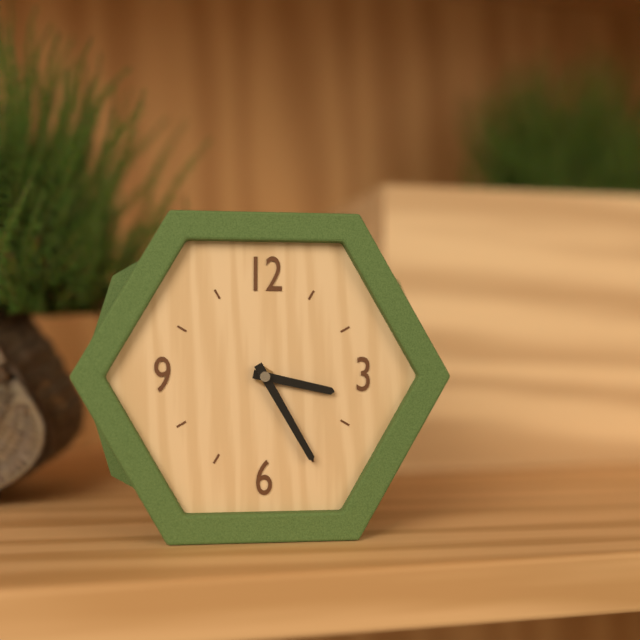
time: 3:25
